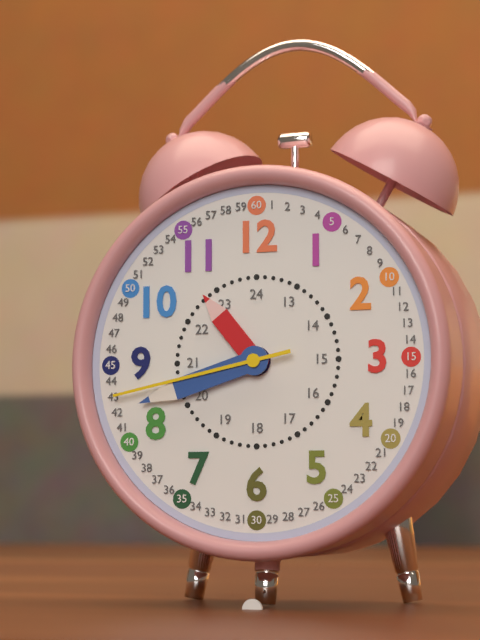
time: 10:42:43
